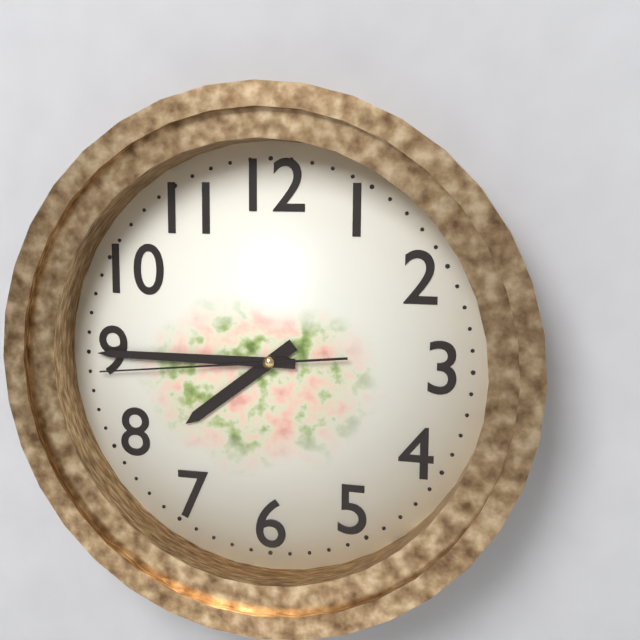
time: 7:45:44
